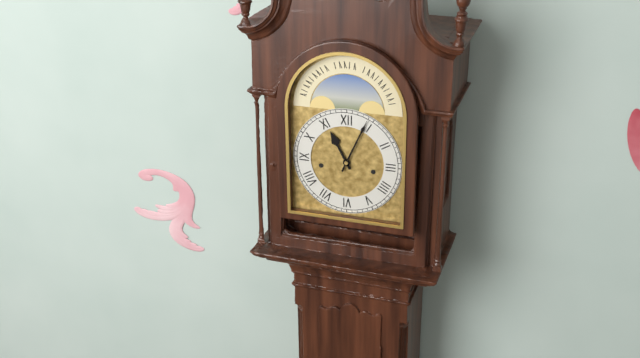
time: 11:04
